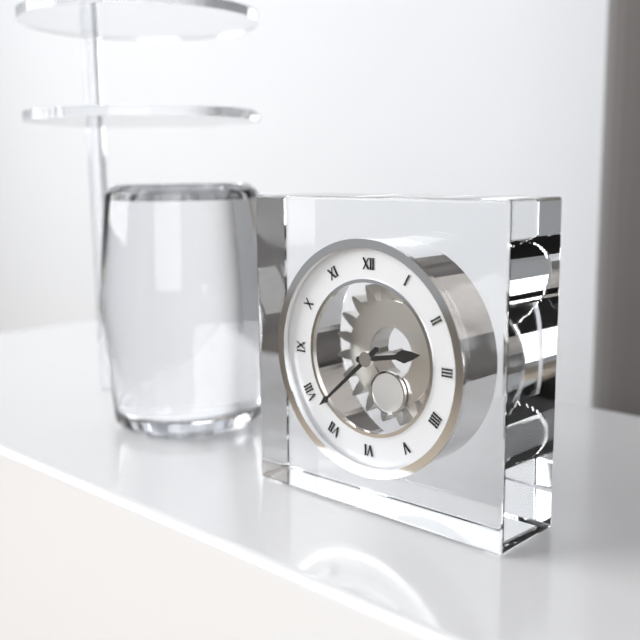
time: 2:38
